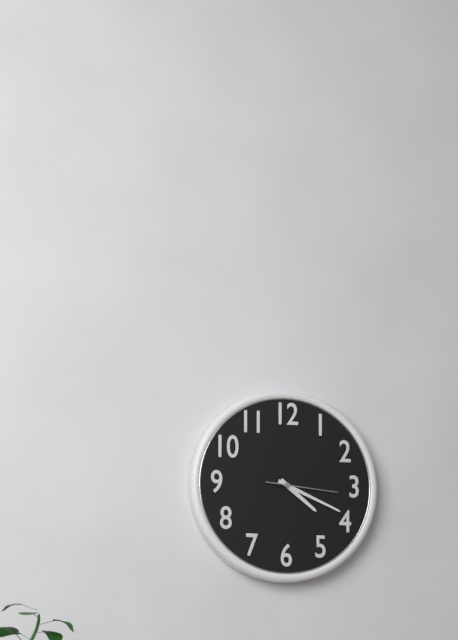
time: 4:19:16
